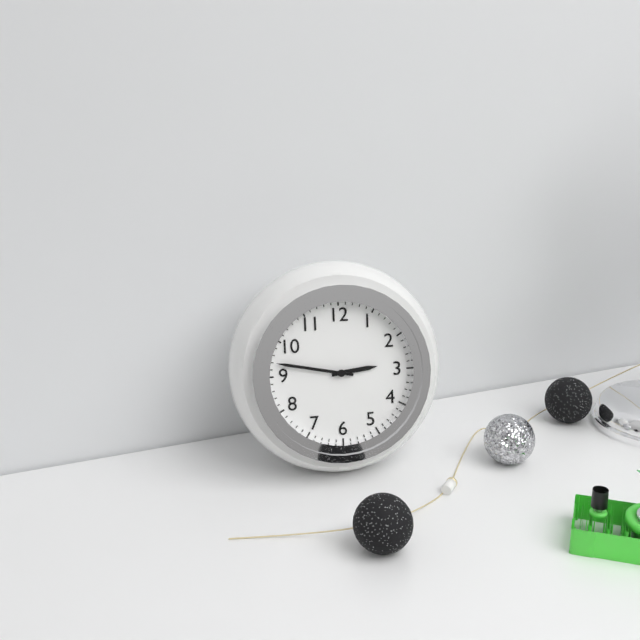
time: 2:47
